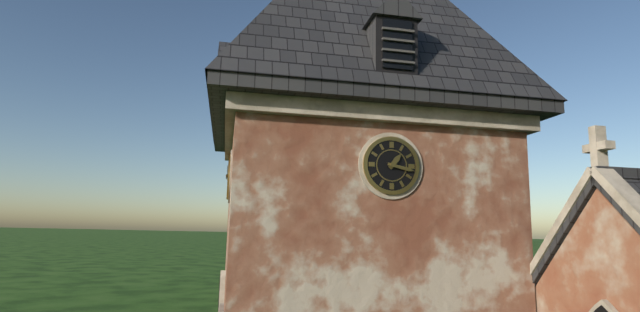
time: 1:17
